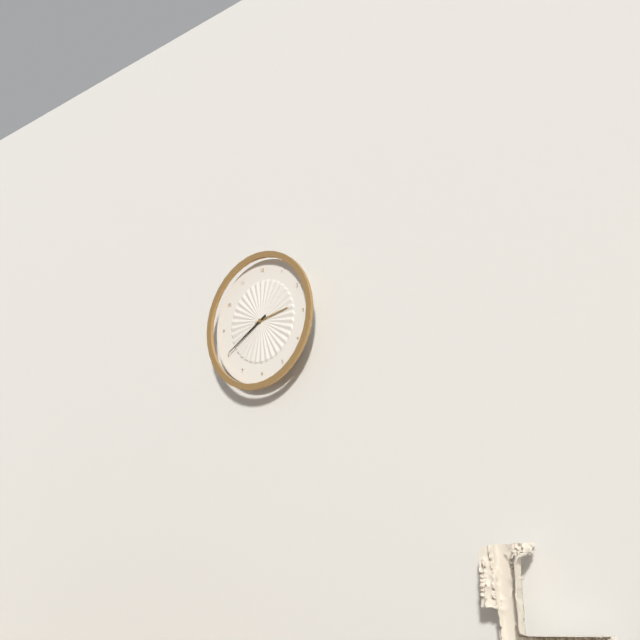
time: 2:40
